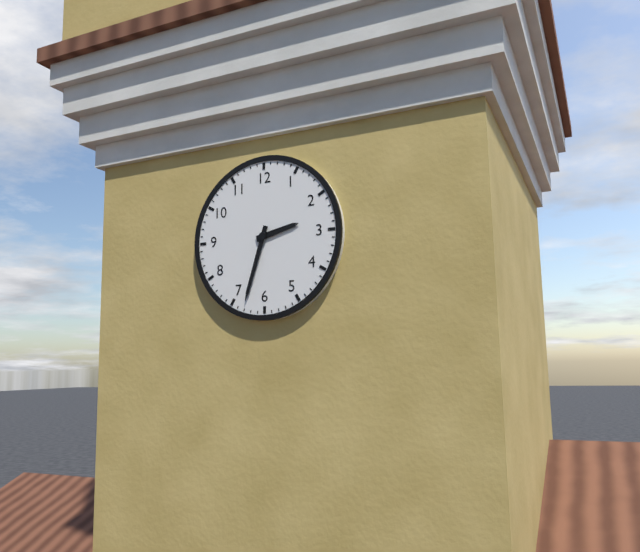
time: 2:33
